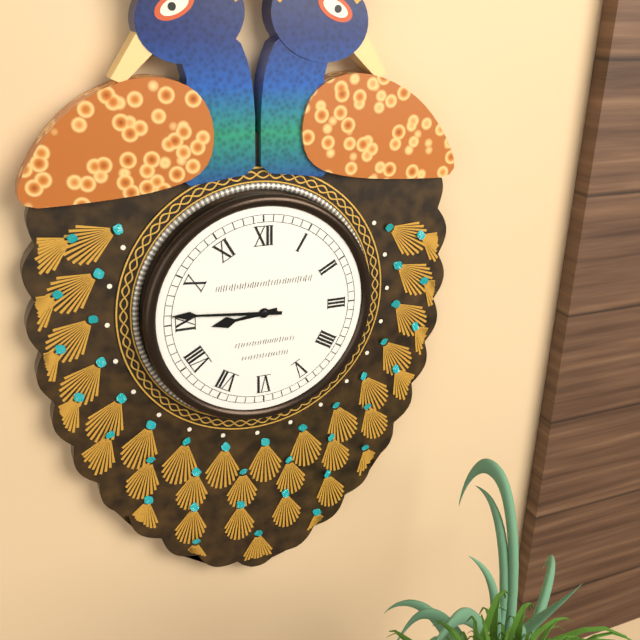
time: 8:46
